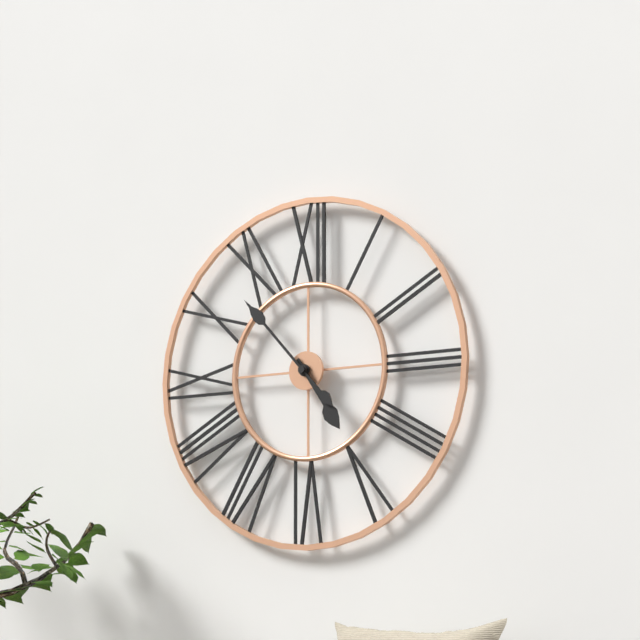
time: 4:53
